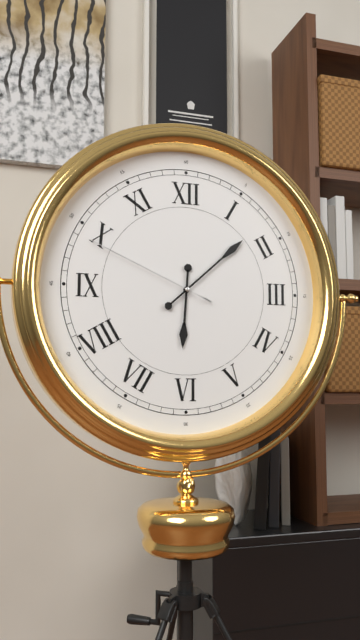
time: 6:08:49
